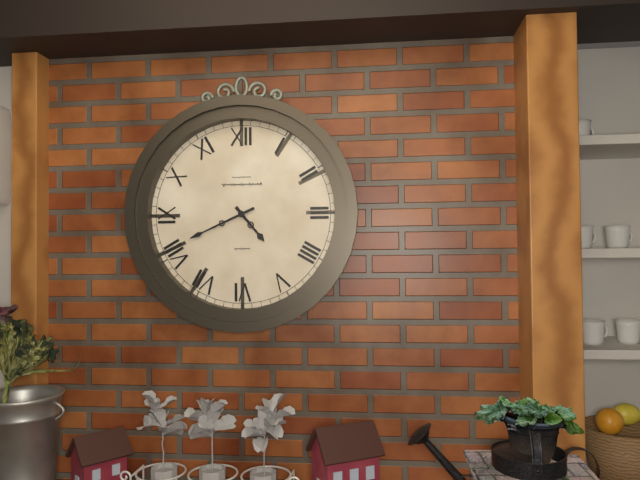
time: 4:41
